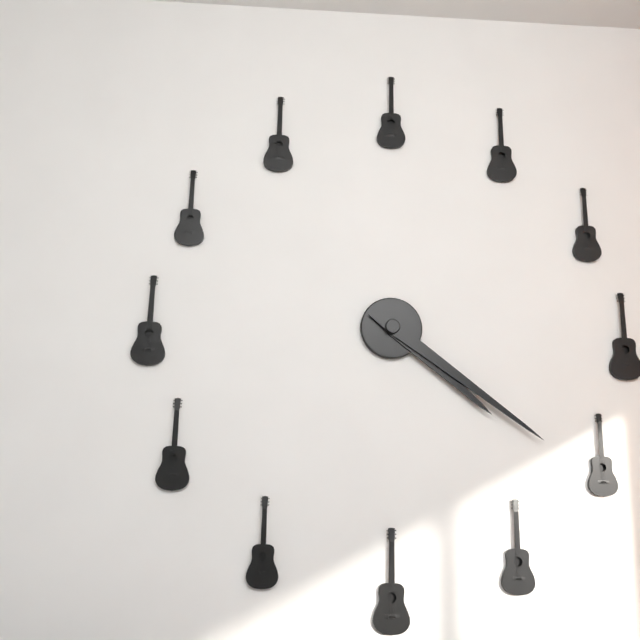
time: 4:21
